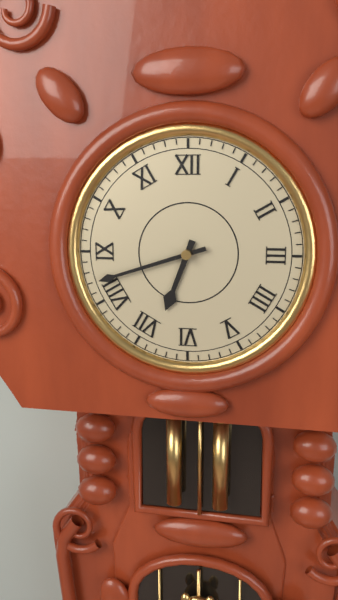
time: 6:42
